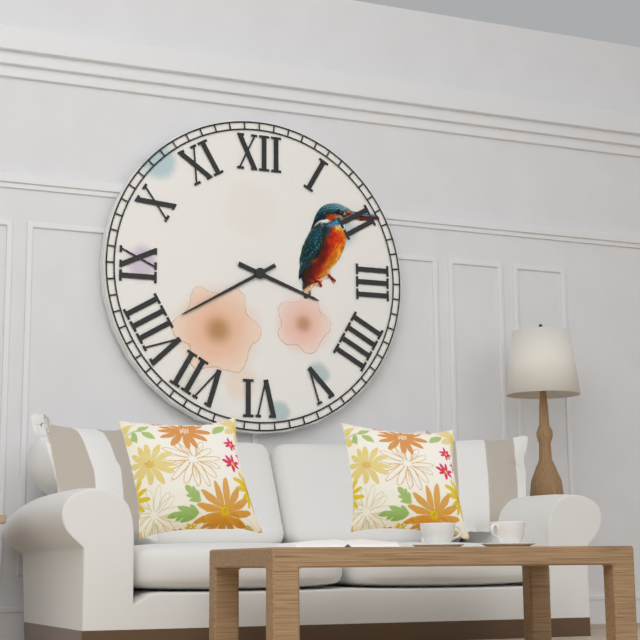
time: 3:40
